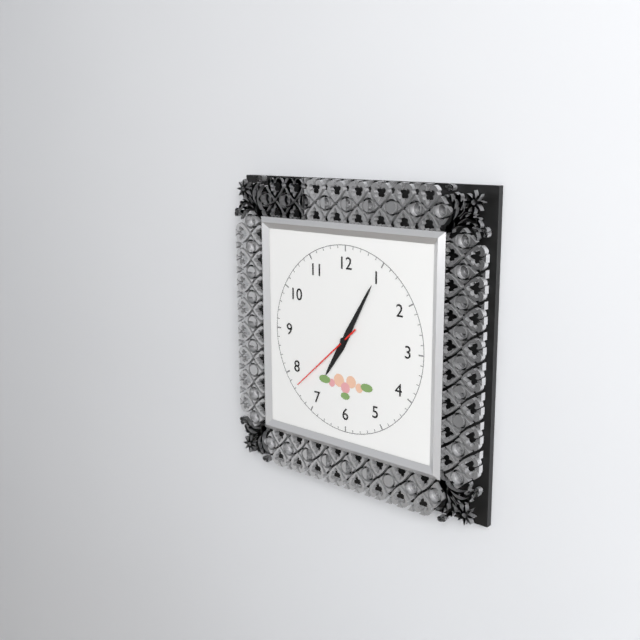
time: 7:05:38
